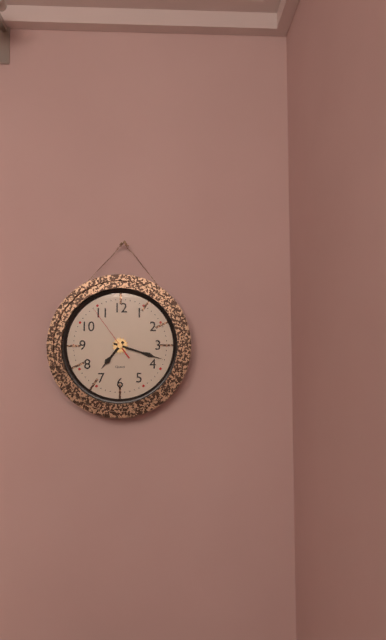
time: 7:18:54
